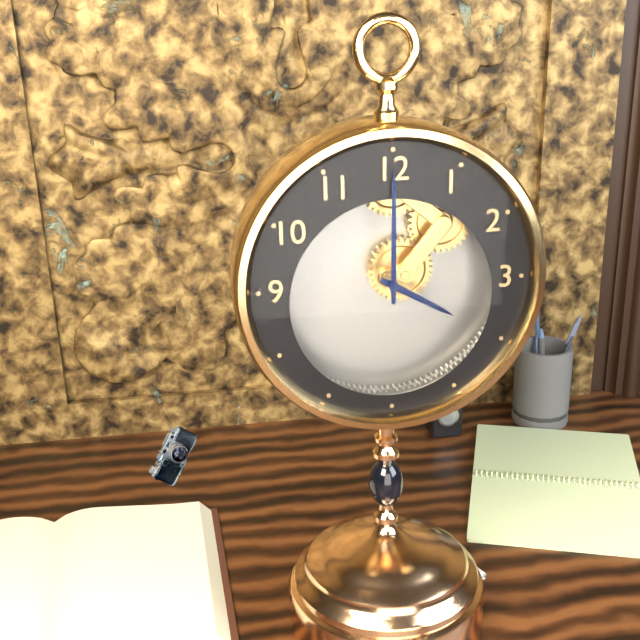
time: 4:00
